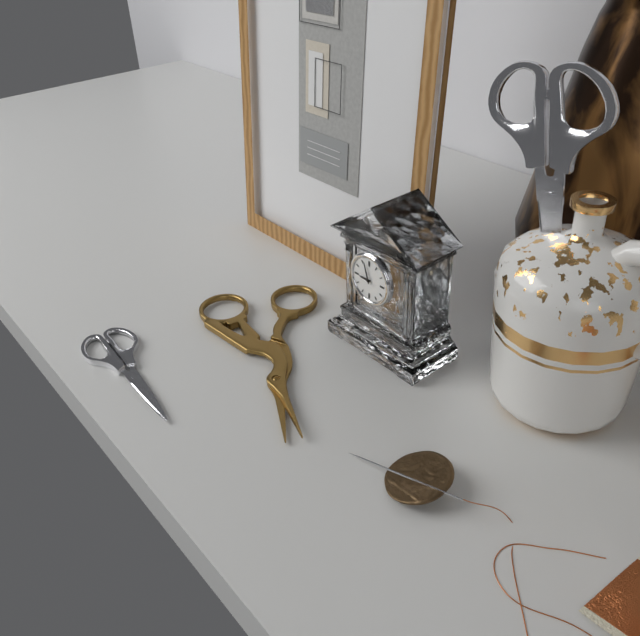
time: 8:57
